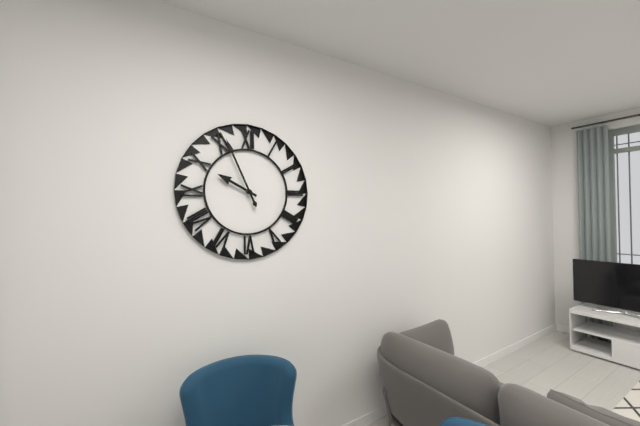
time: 9:56
